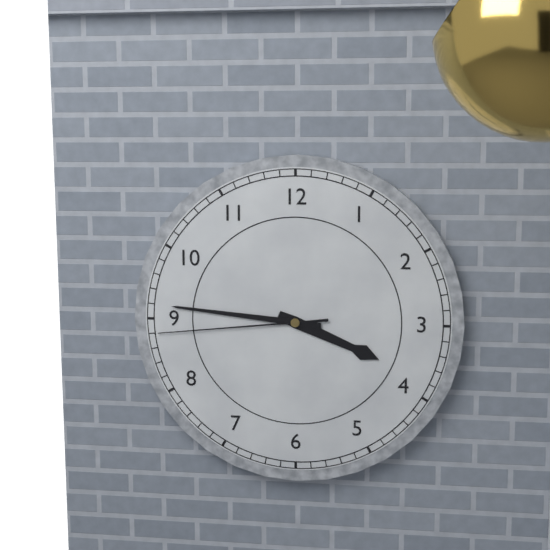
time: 3:46:44
